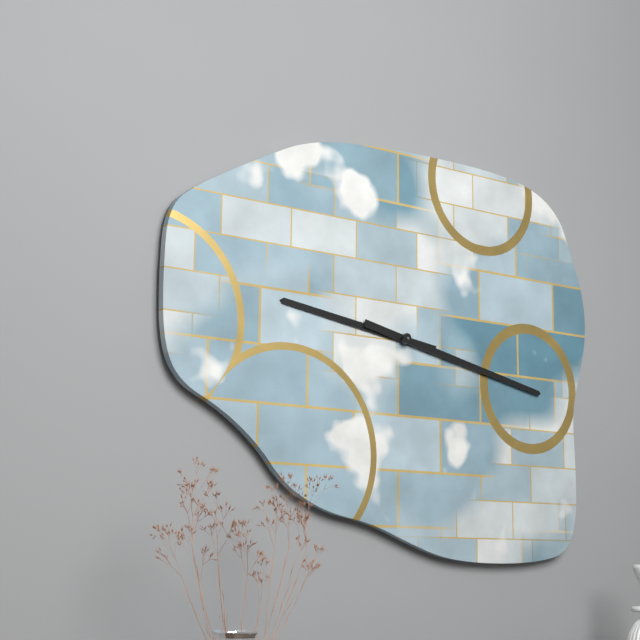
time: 9:17
